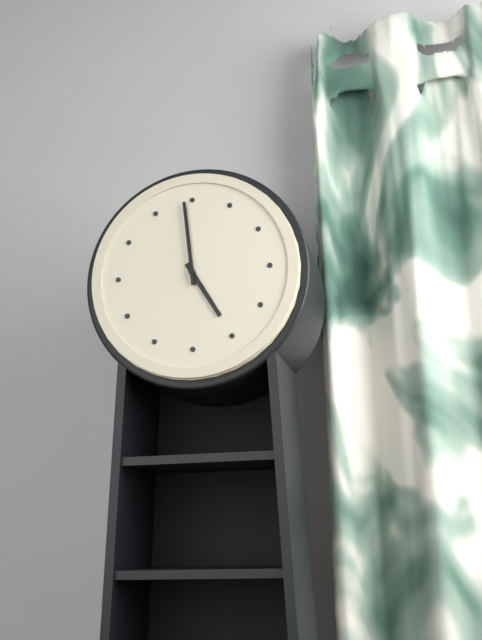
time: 4:59
